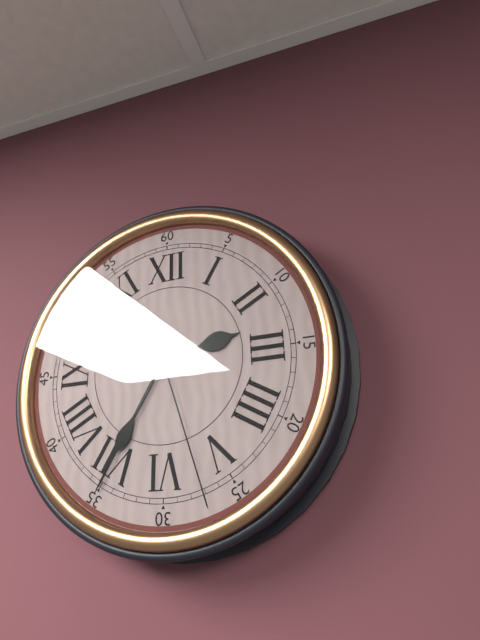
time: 2:35:27
